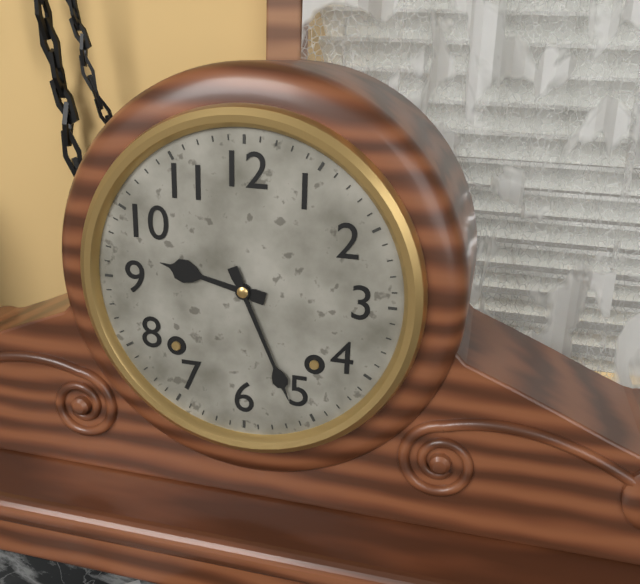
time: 9:26
